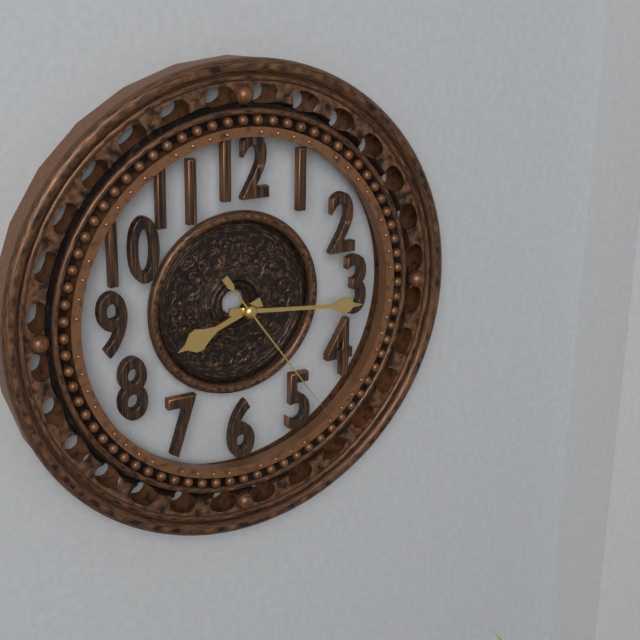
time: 8:16:24
